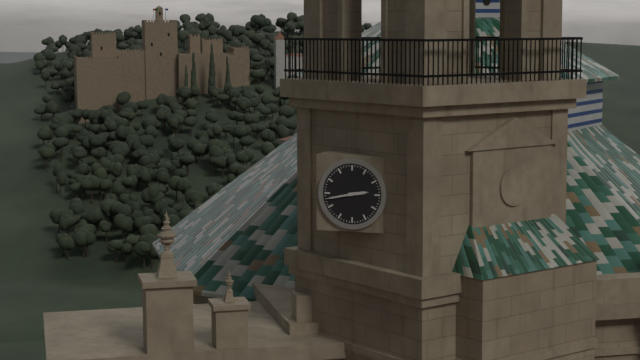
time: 2:43
